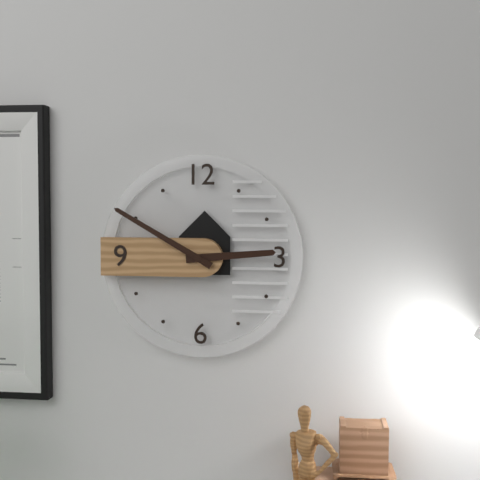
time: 2:50
